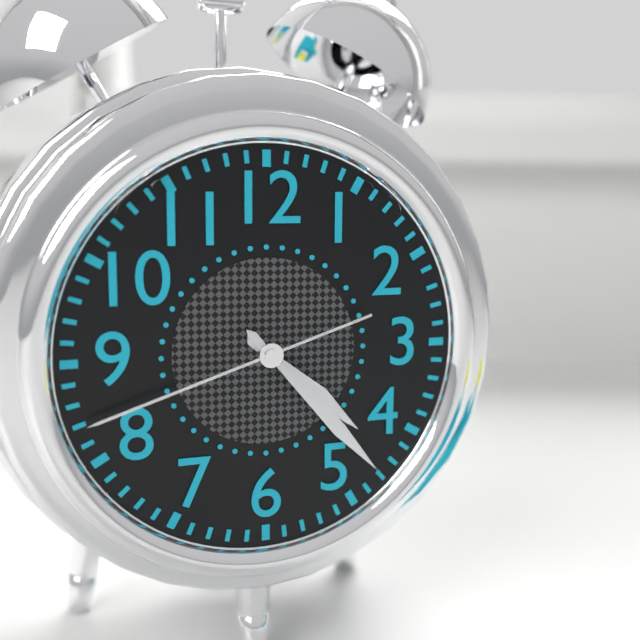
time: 4:23:42
